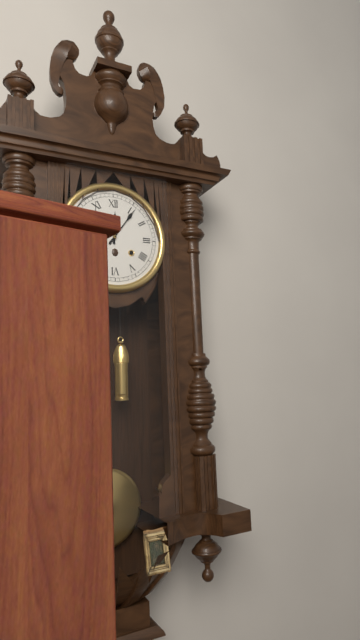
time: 12:06
